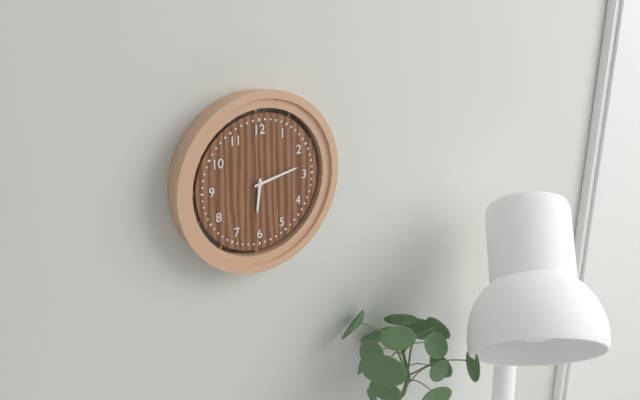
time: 6:13
